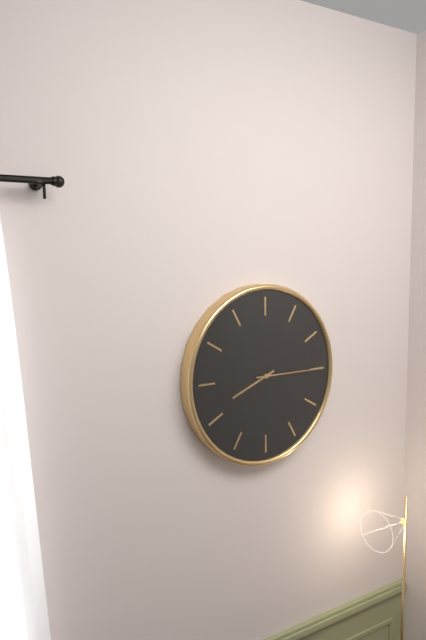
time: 8:15
